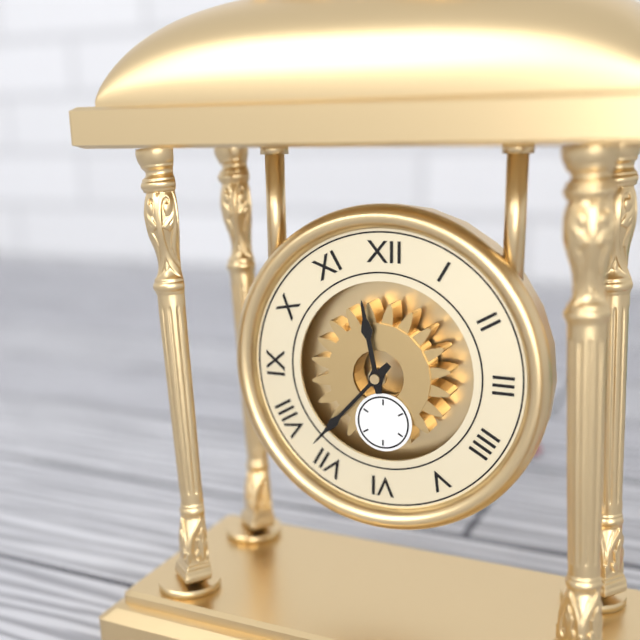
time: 11:37
